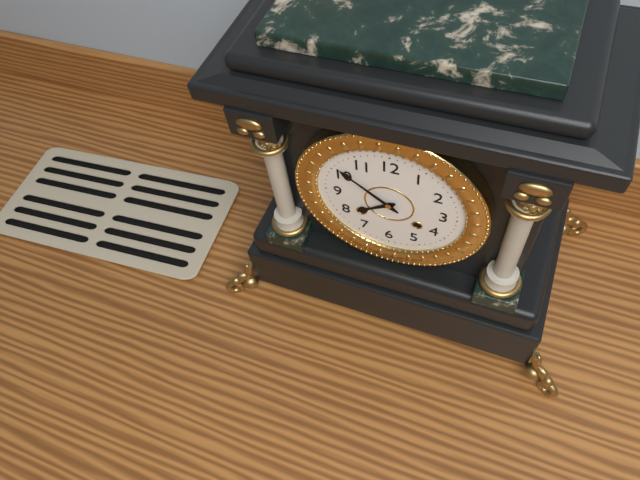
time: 7:51
